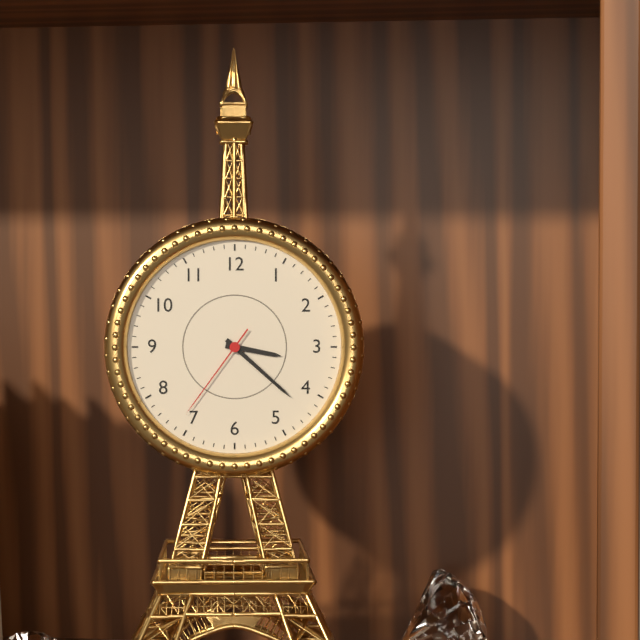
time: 3:22:36
